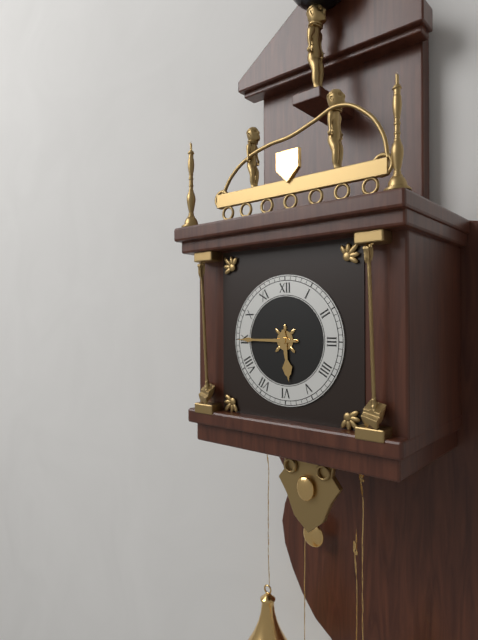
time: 5:45
